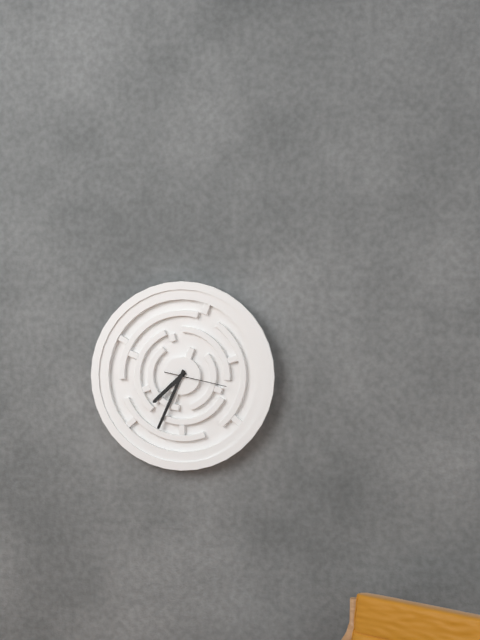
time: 7:34:17
